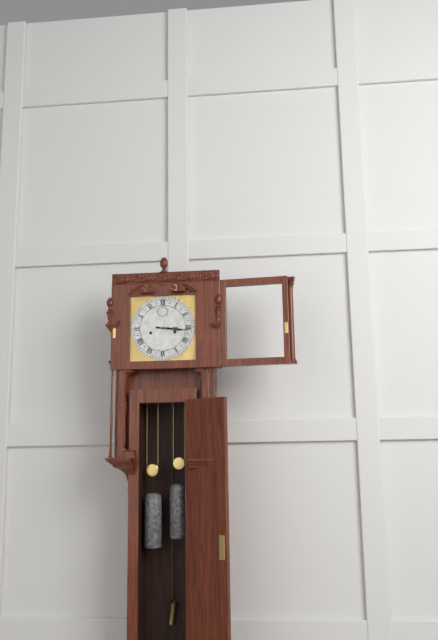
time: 3:16
